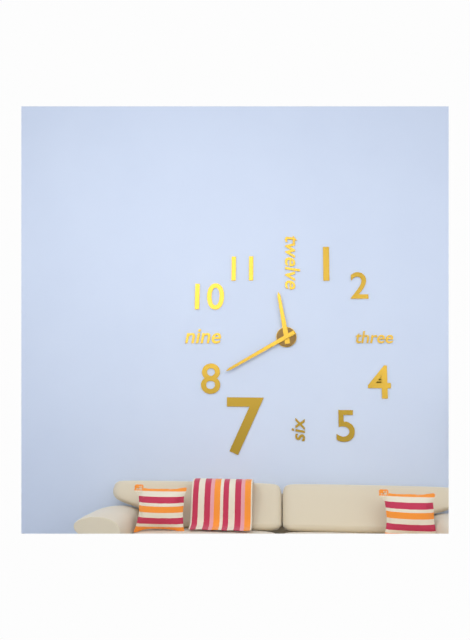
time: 11:40
